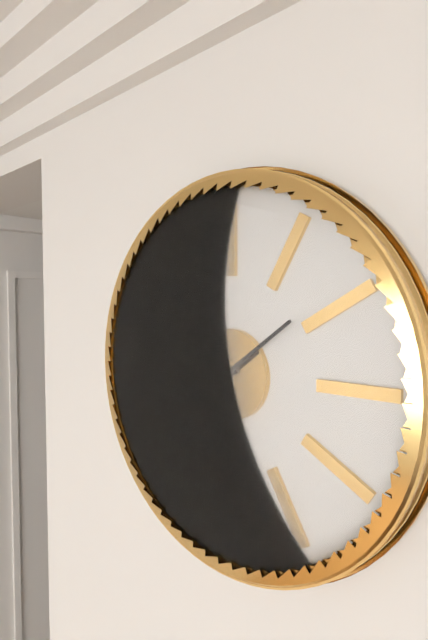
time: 8:09
